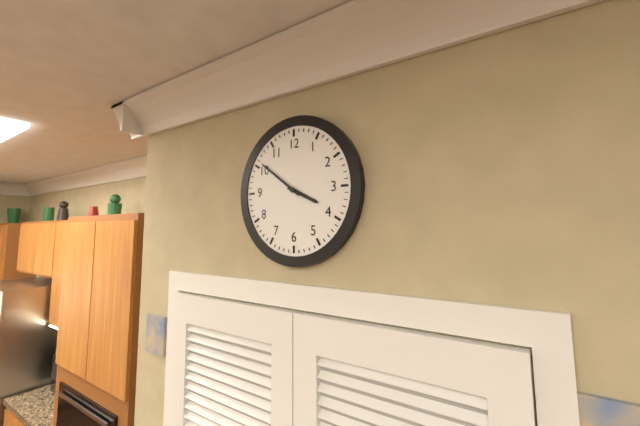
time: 3:51
